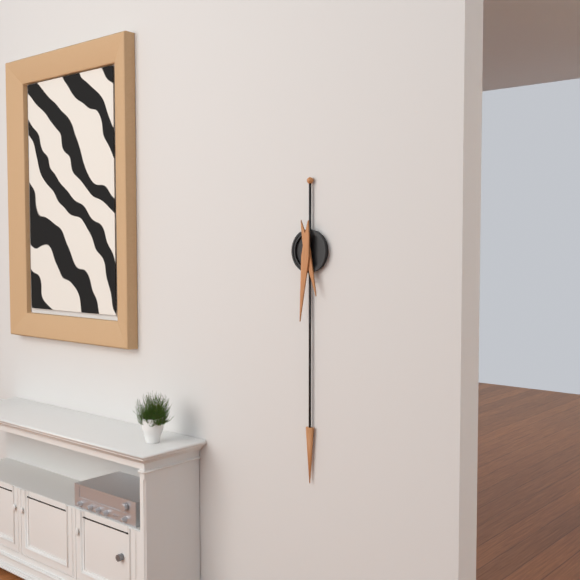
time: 5:31
